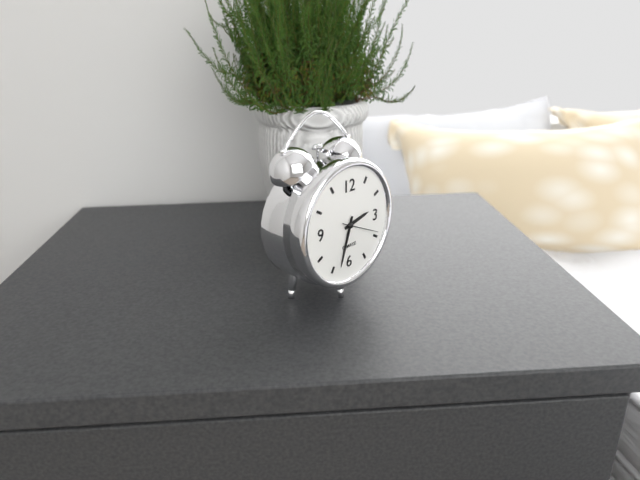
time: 2:33
